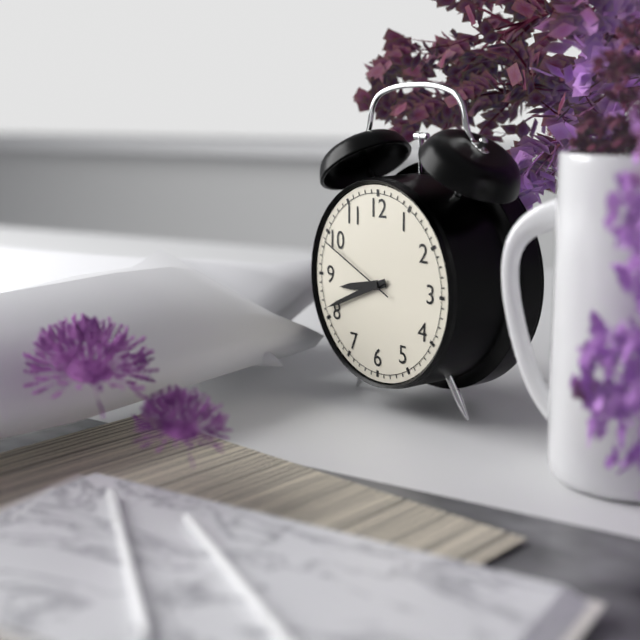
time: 8:41:49
